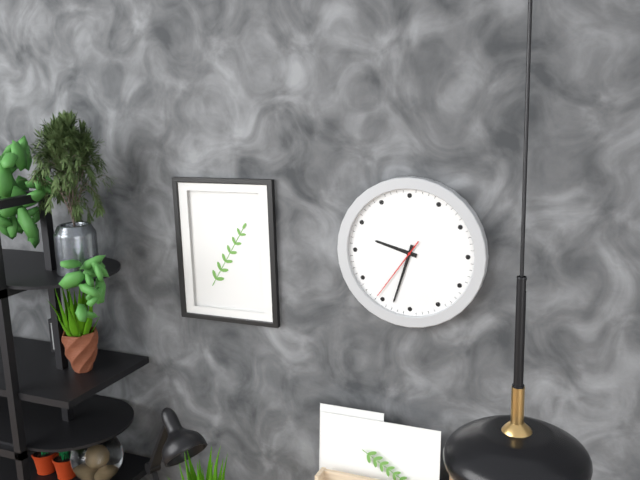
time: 9:33:36
